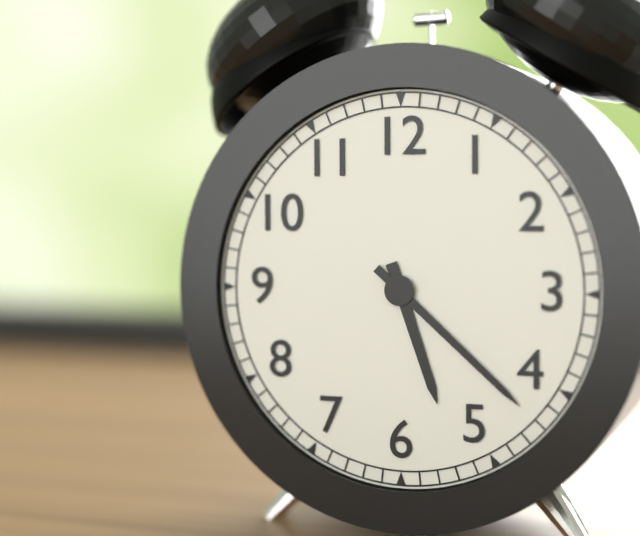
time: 5:22
